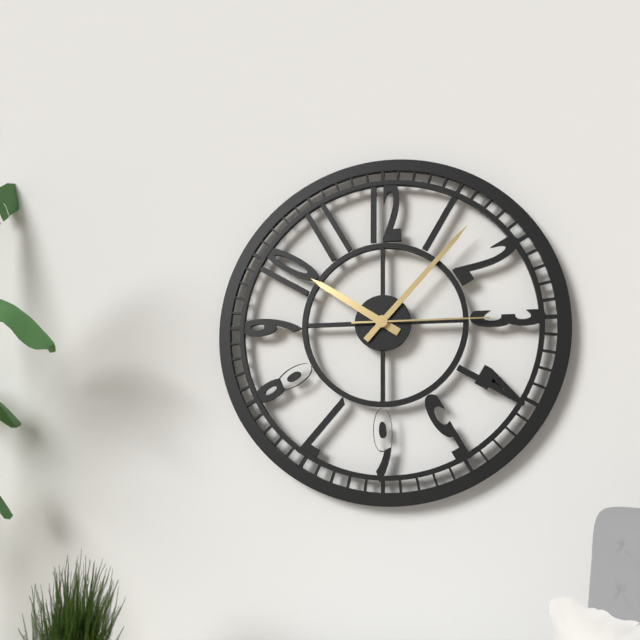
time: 10:07:15
